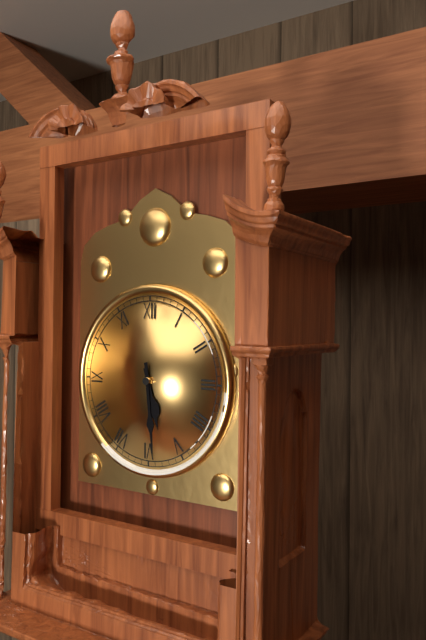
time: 5:29
